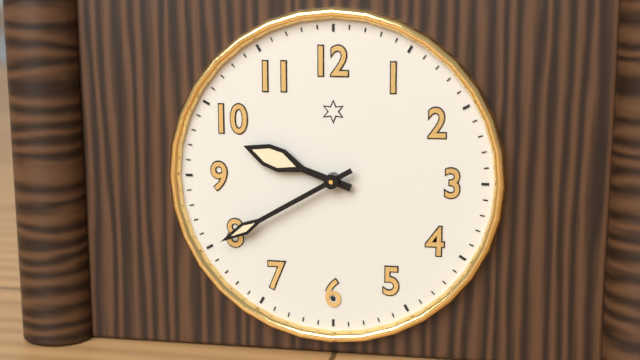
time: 9:40
